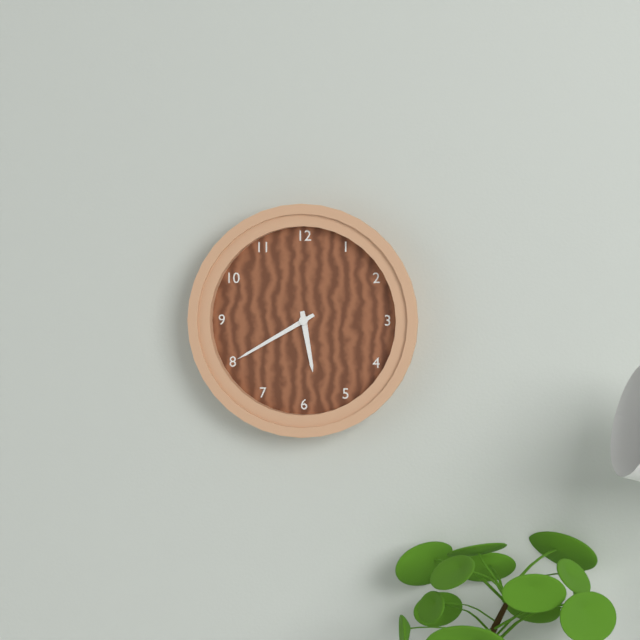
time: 5:40
